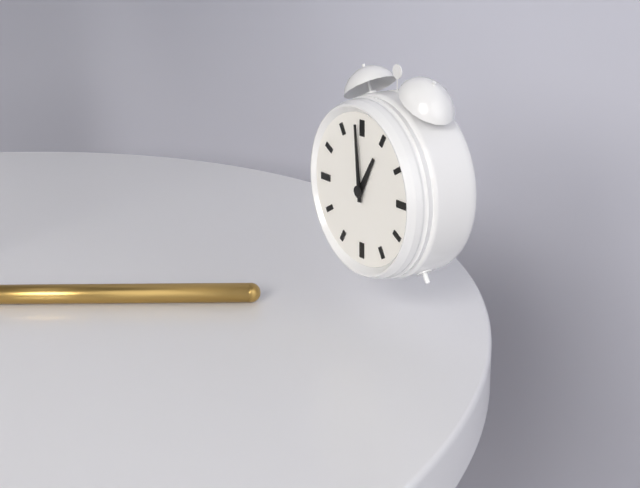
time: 12:59
